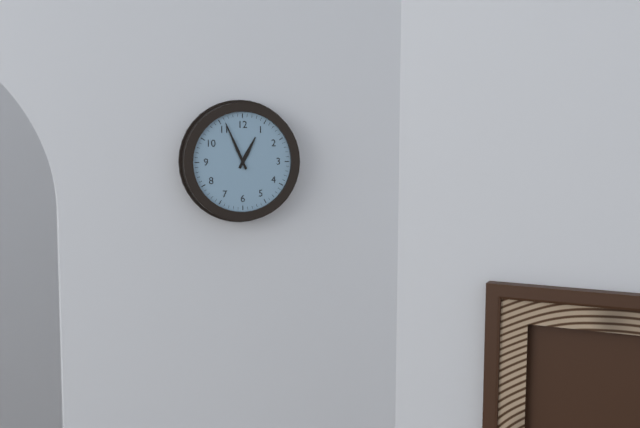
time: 12:56
